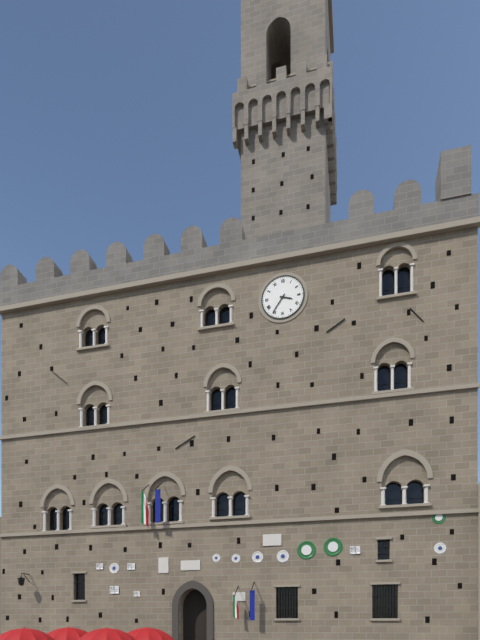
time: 3:36
